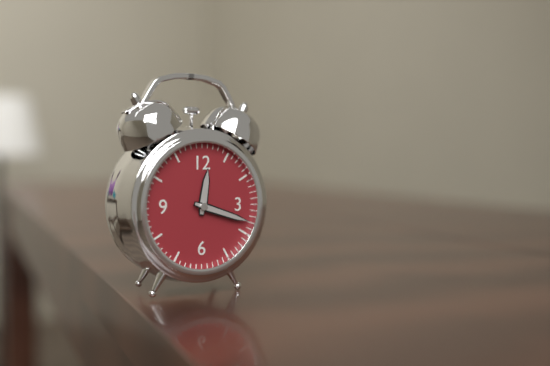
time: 12:18
